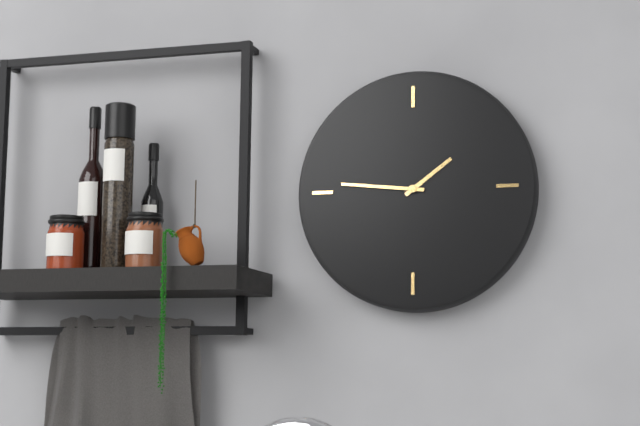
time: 1:46
